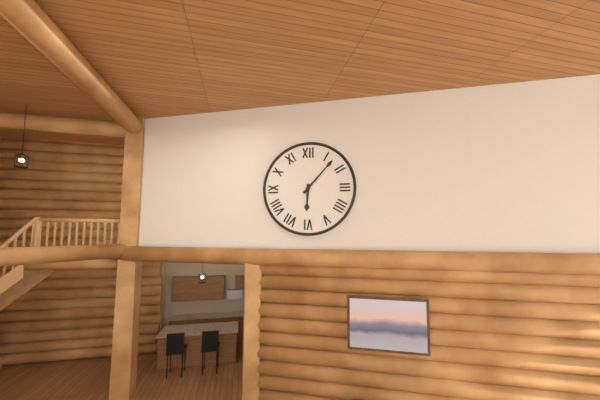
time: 6:07
